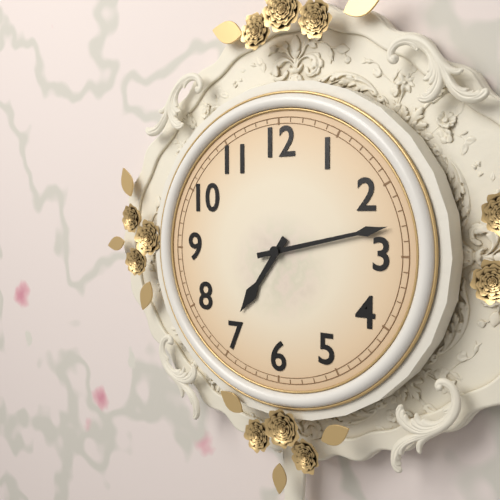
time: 7:13
